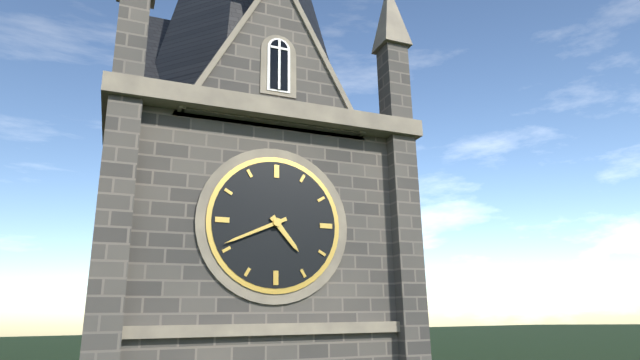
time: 4:41
